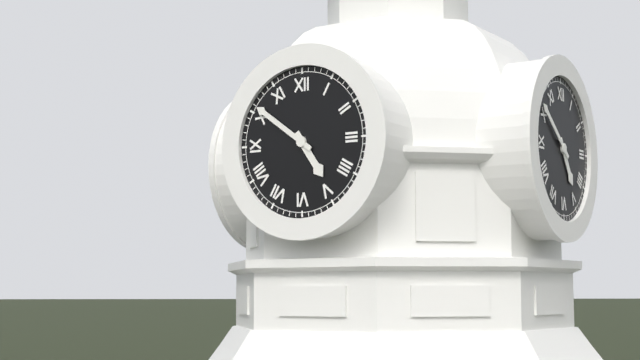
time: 4:51
